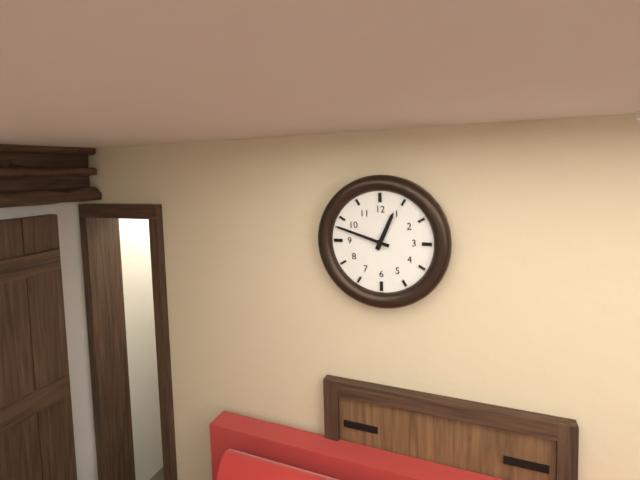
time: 12:48
